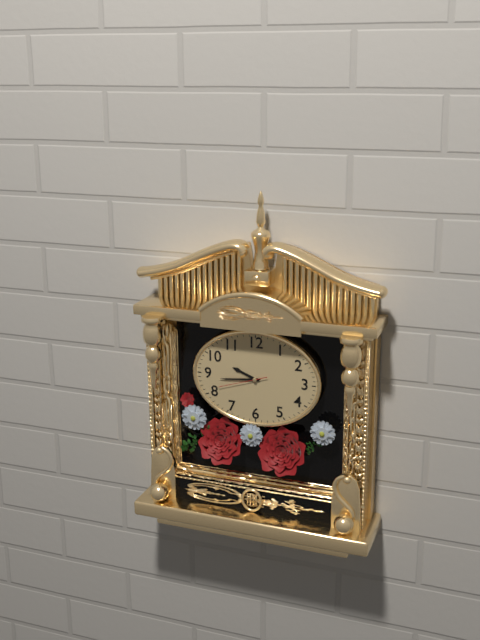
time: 9:44
